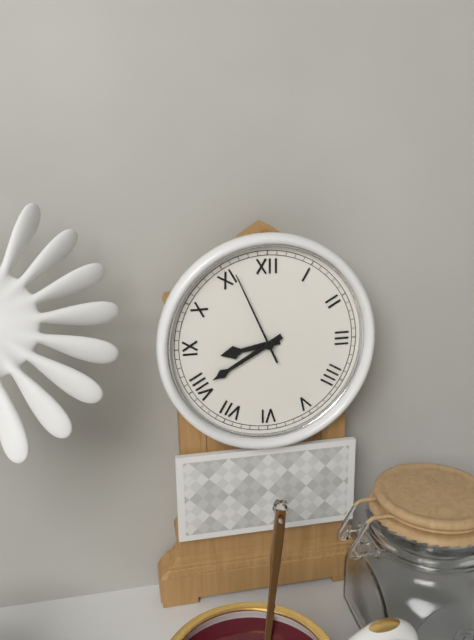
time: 8:40:56
